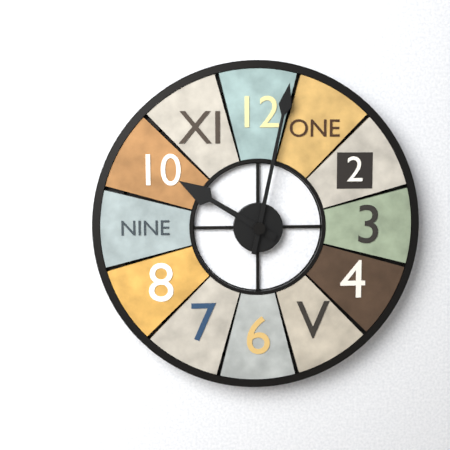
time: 10:02
